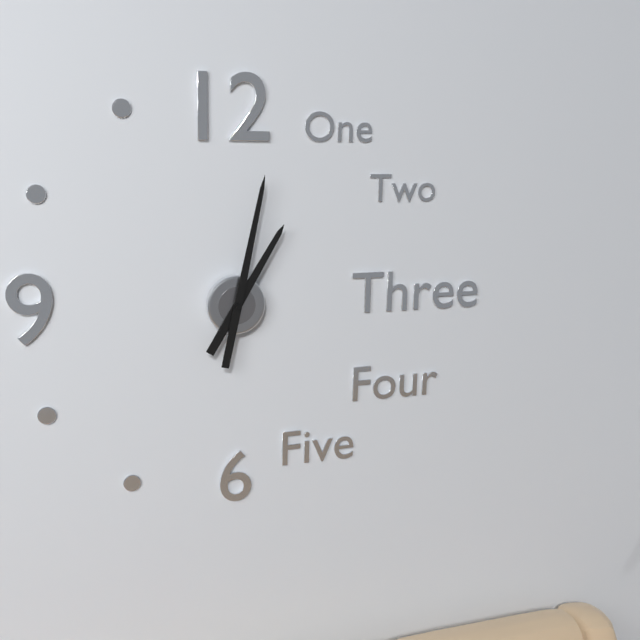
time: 1:02
